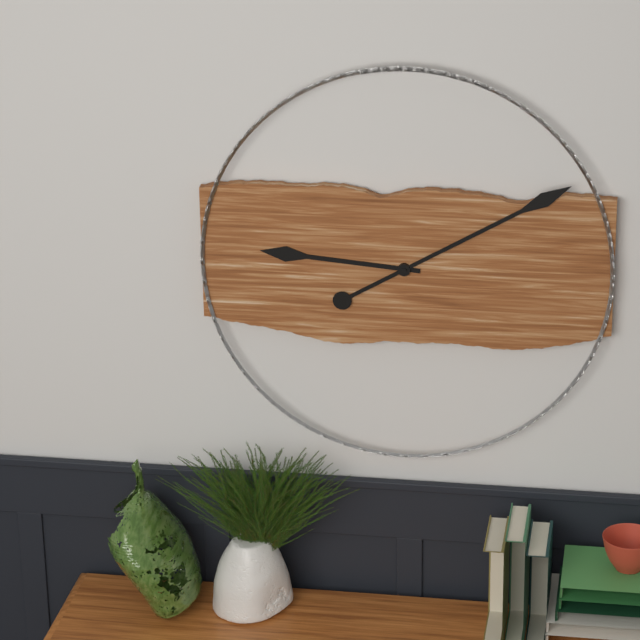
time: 9:10
